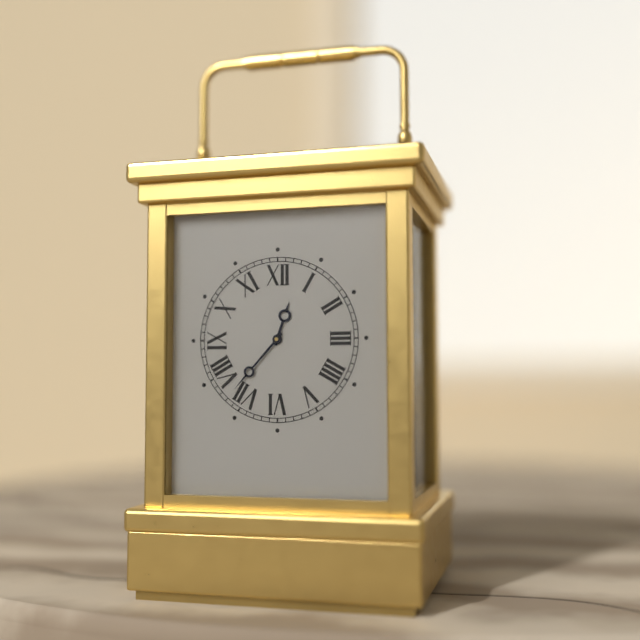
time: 12:37
